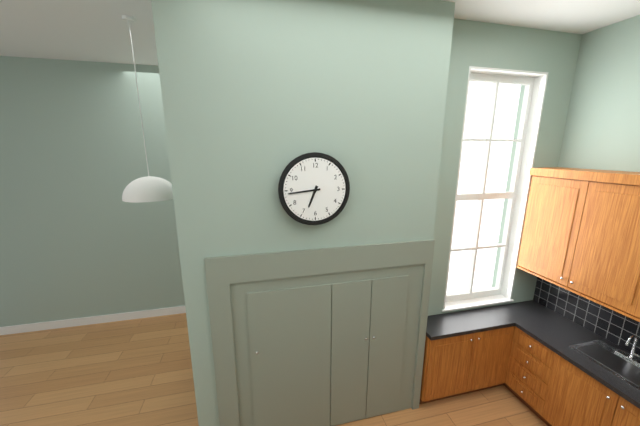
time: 6:44
